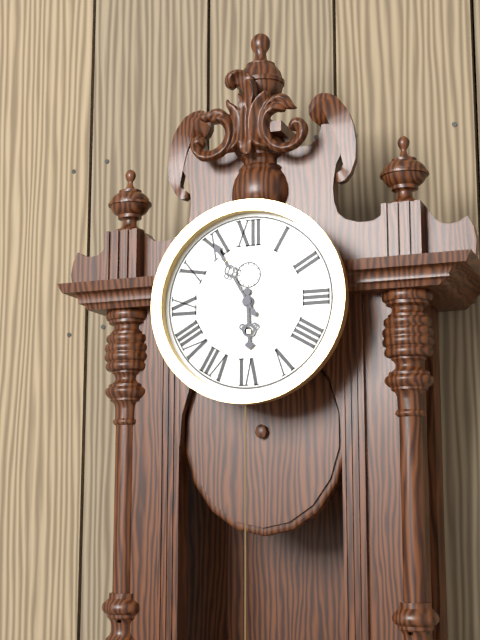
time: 5:55
